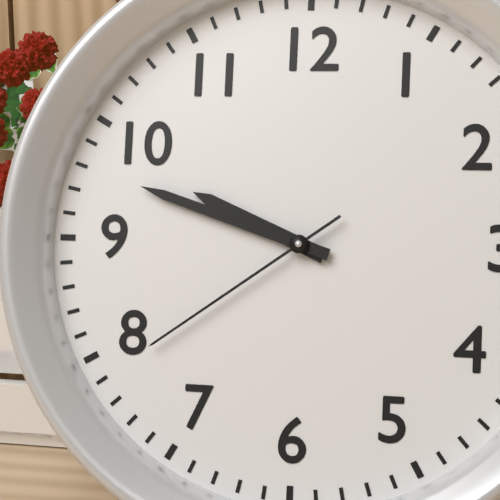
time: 9:48:39
